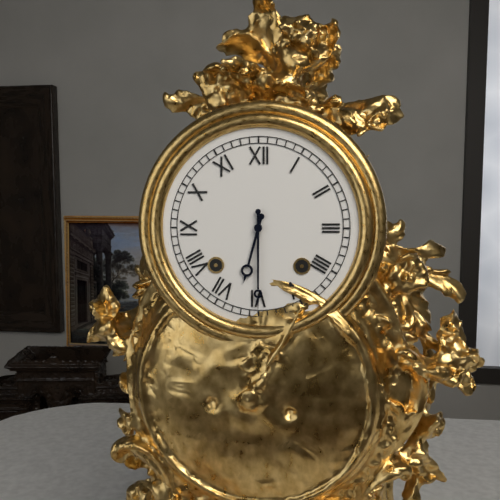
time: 6:30
